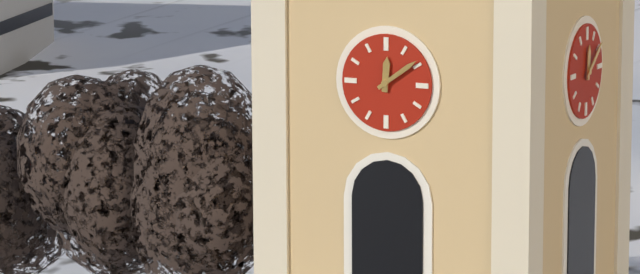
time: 12:09
